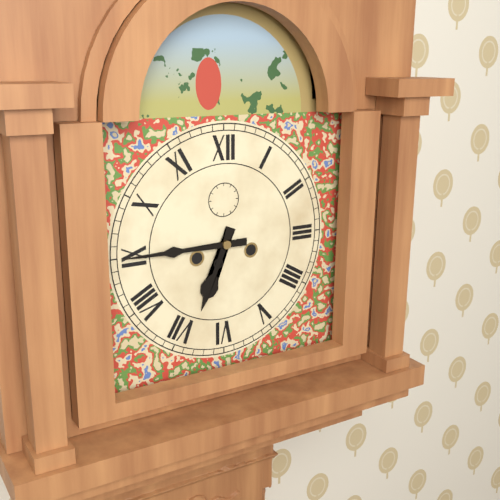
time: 6:45
